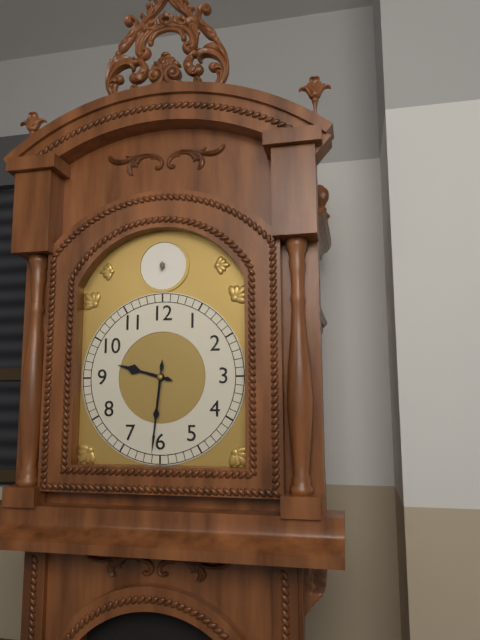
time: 9:31
